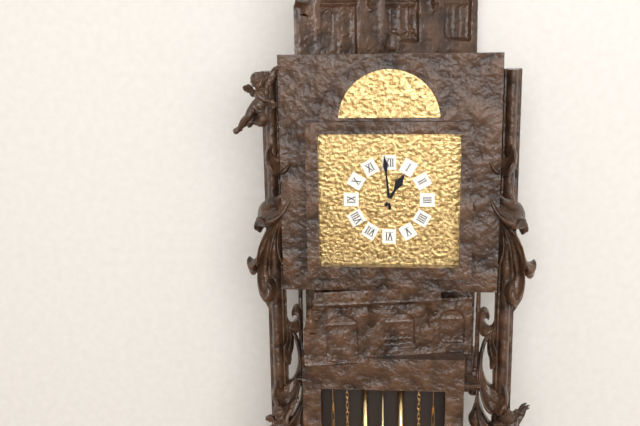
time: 12:59
